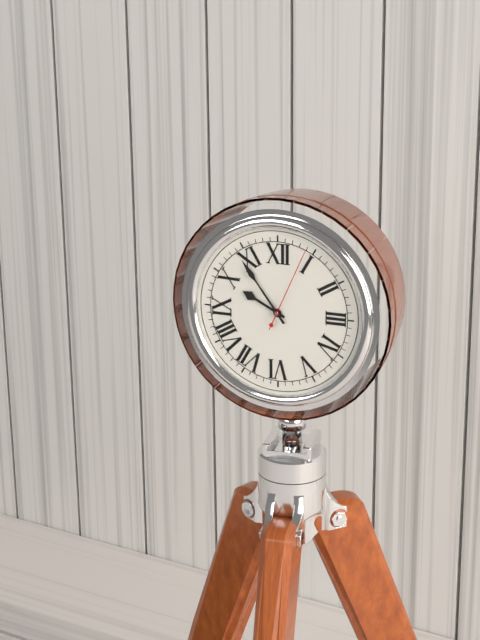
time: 9:54:04
